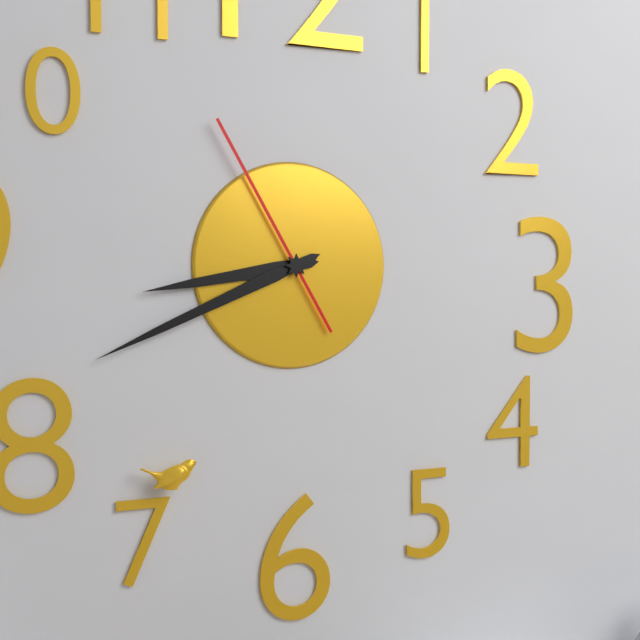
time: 8:41:55
